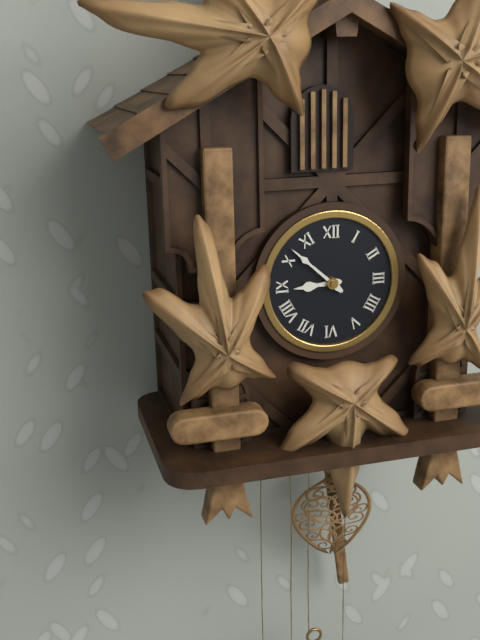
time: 8:52
